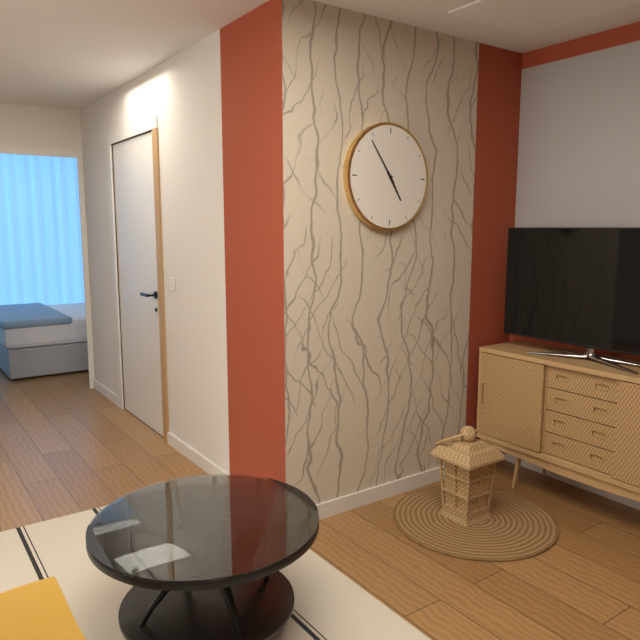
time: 4:54
